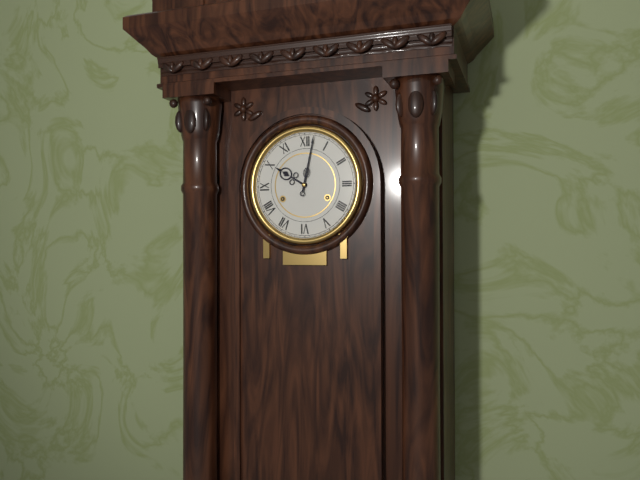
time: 10:02
